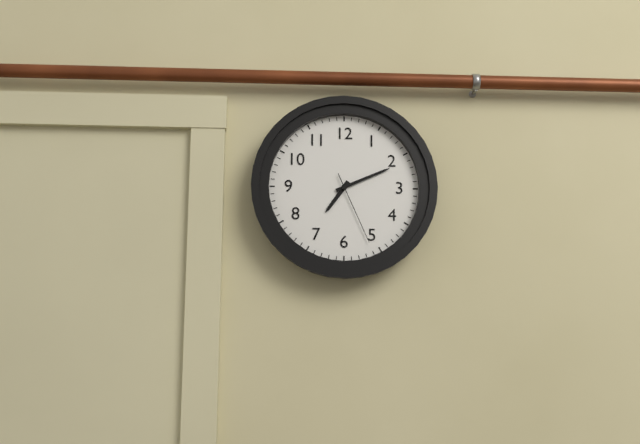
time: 7:11:26
